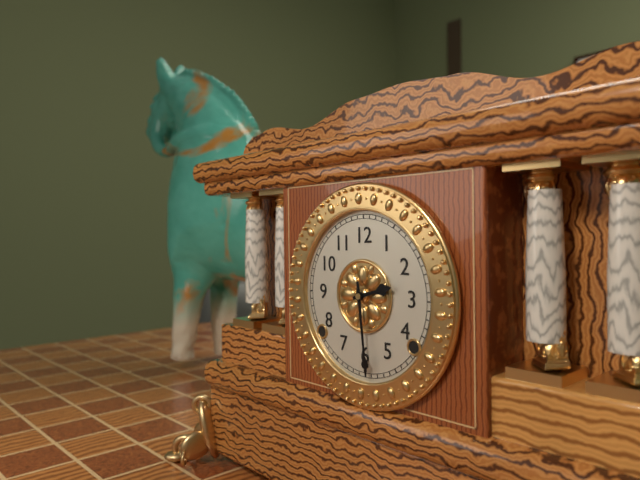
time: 2:29
